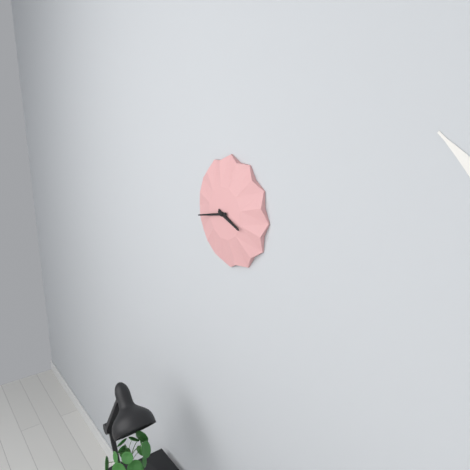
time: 3:43
